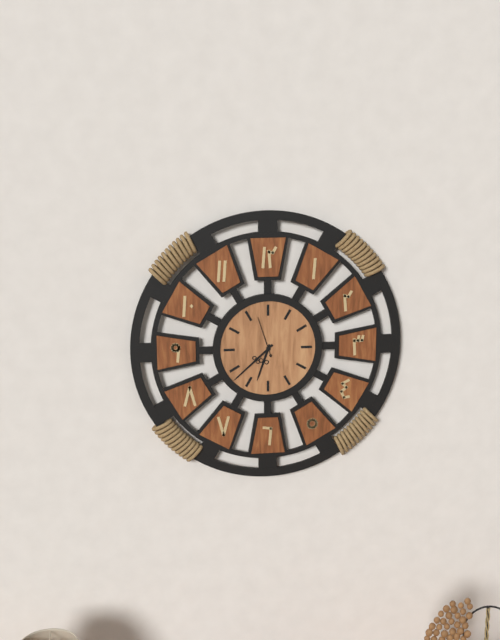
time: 6:38
